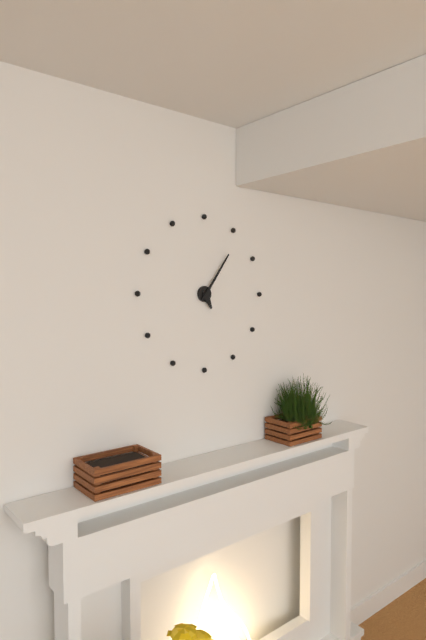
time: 5:06
